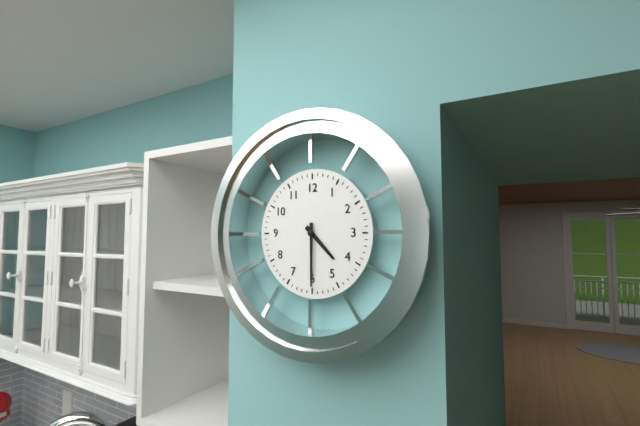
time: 4:30
